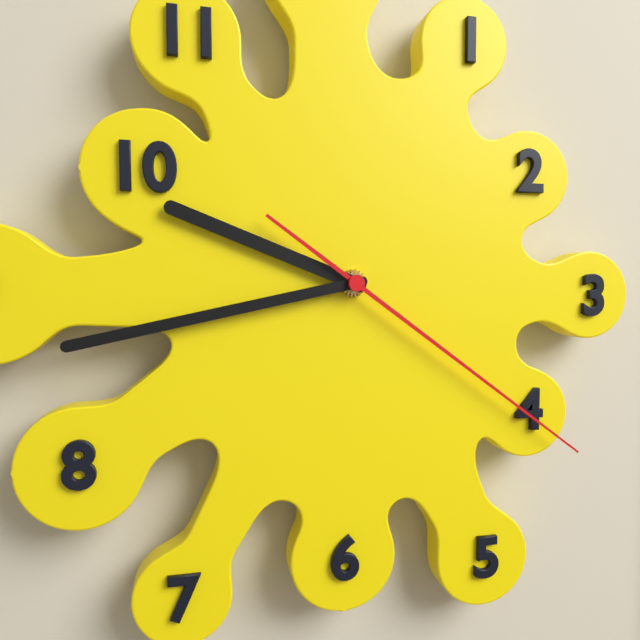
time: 9:43:21
